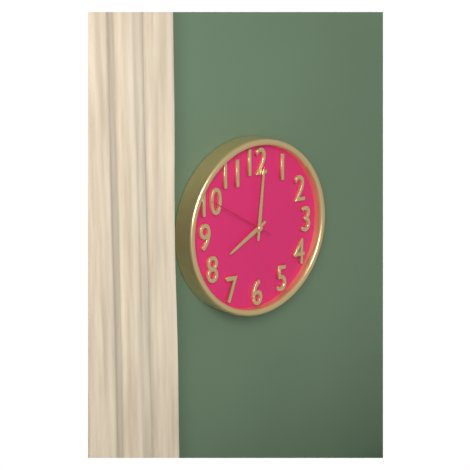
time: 8:01:50
